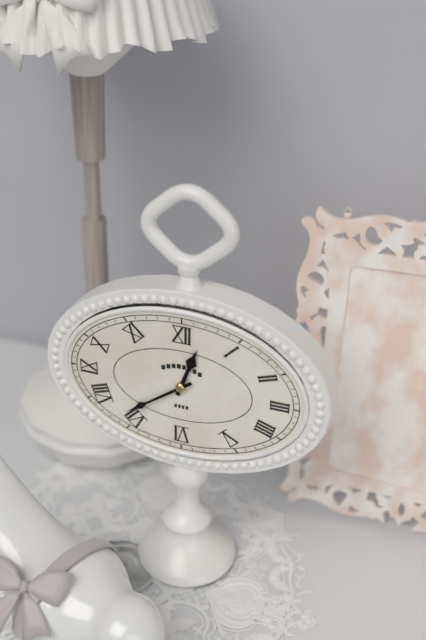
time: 12:39
